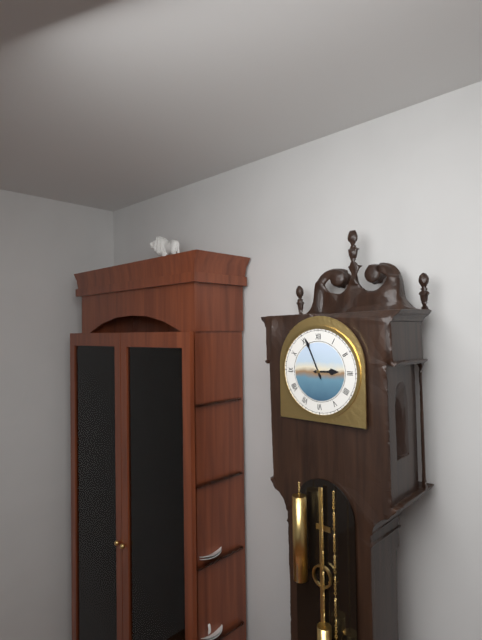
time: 2:56
